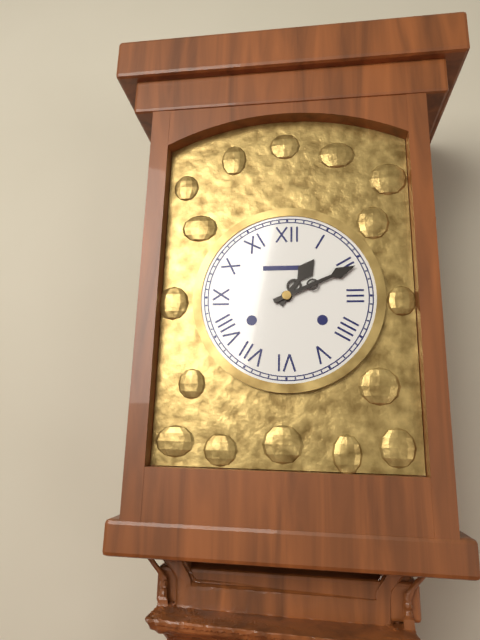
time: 1:11
